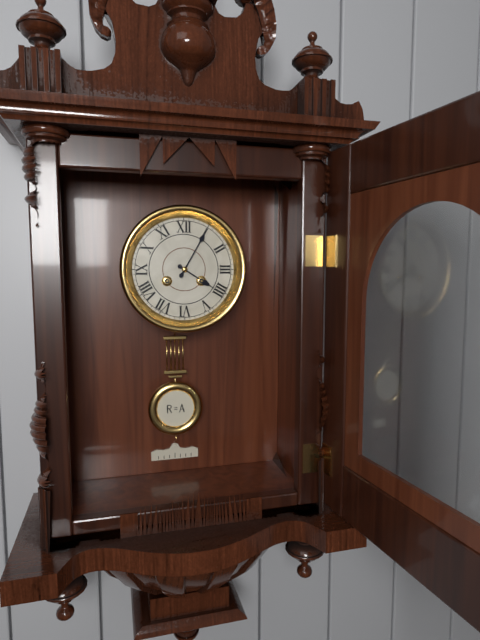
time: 4:05
